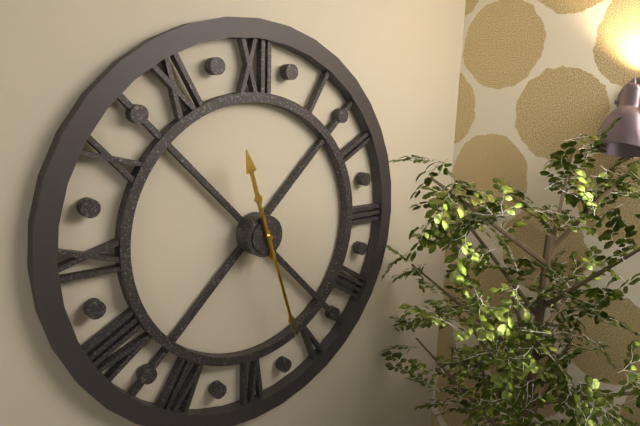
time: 11:27
